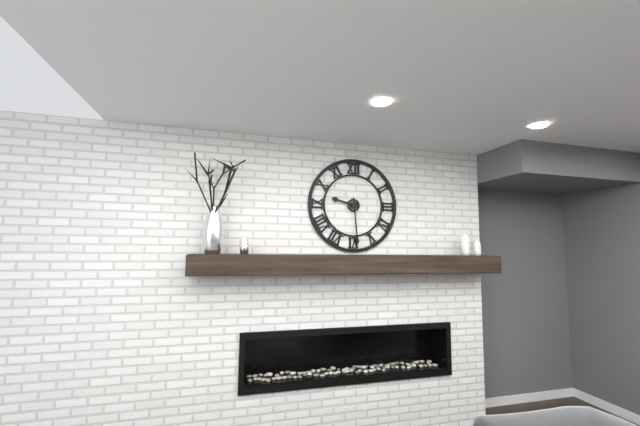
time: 9:29
